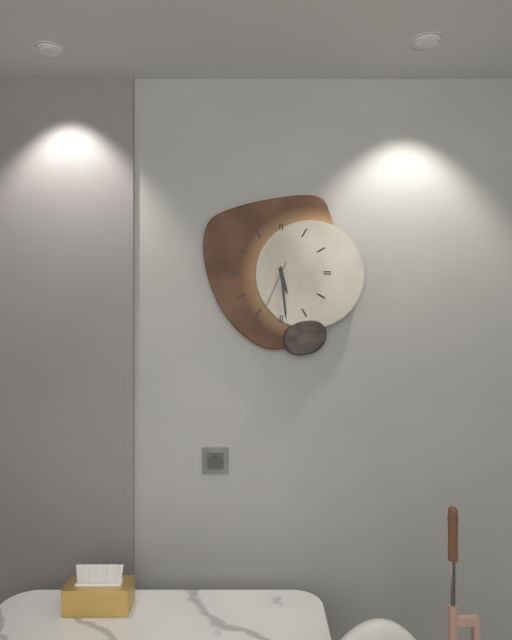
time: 5:29
